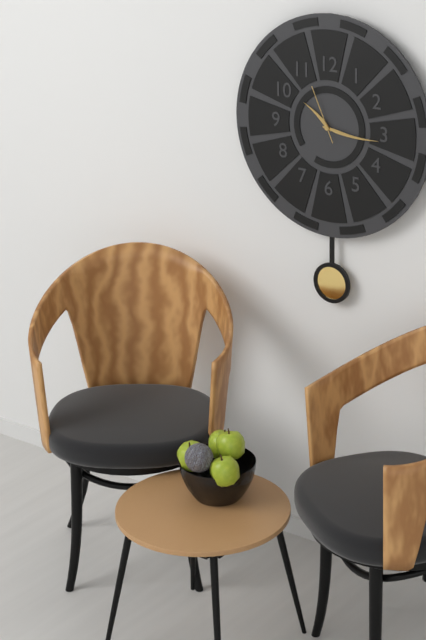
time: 10:16:56
